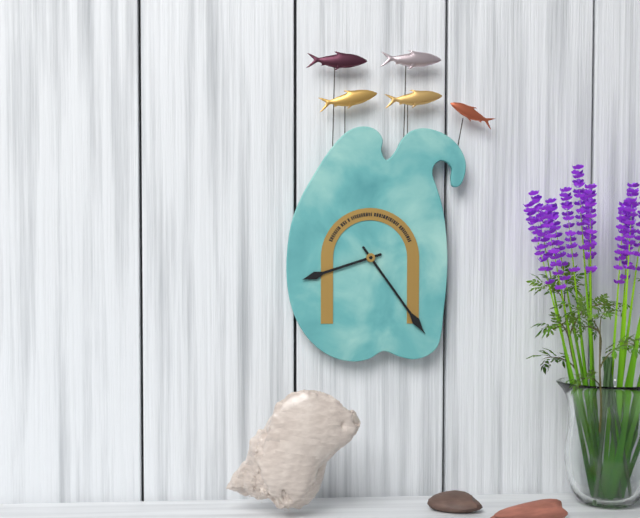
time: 8:24
